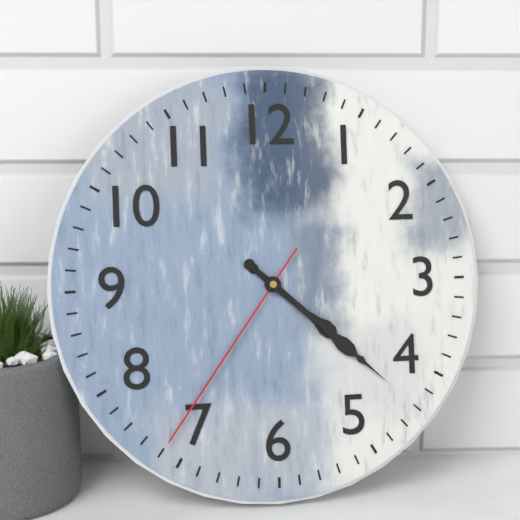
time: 4:22:36
